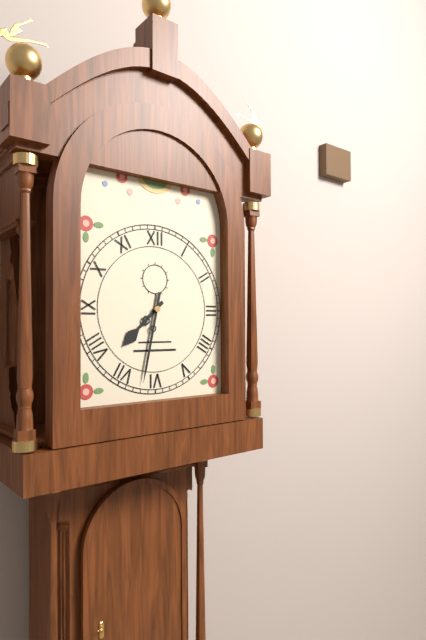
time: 7:32
